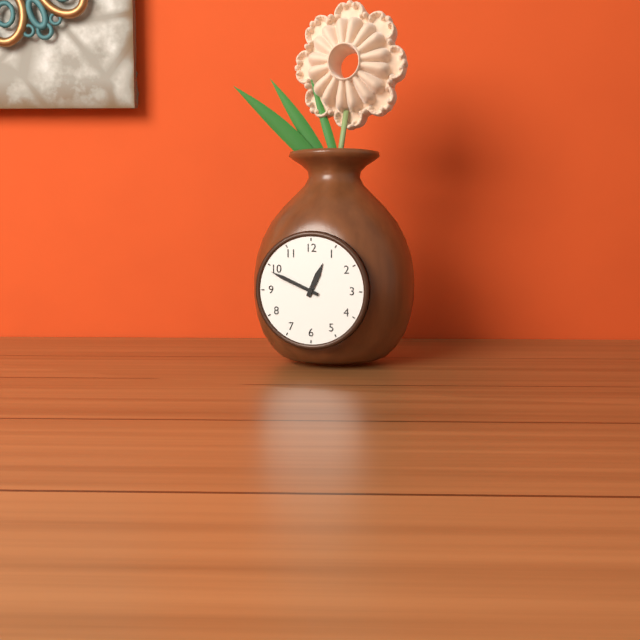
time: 12:49
